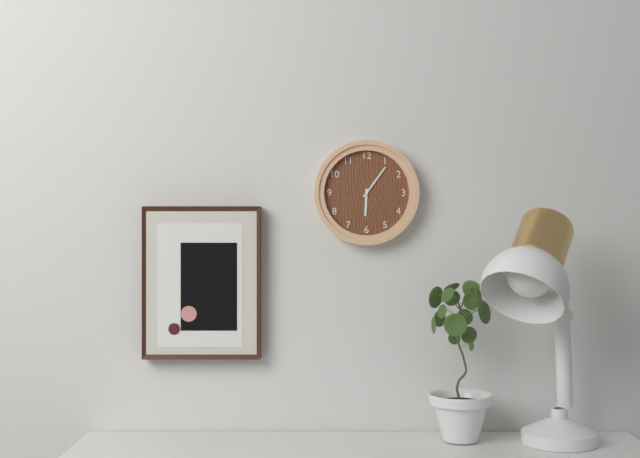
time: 6:06
